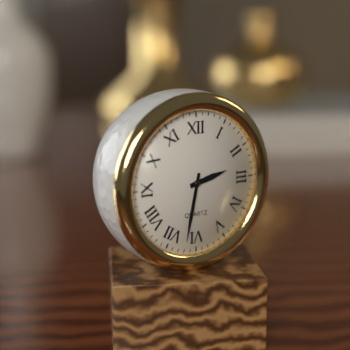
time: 2:32
